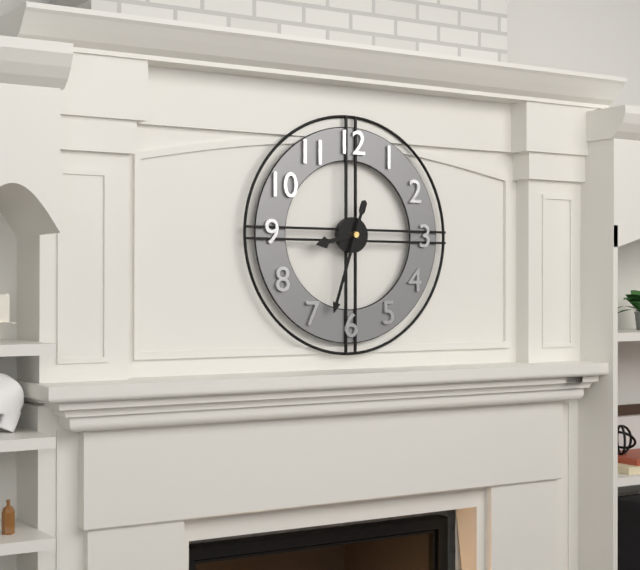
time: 8:33
